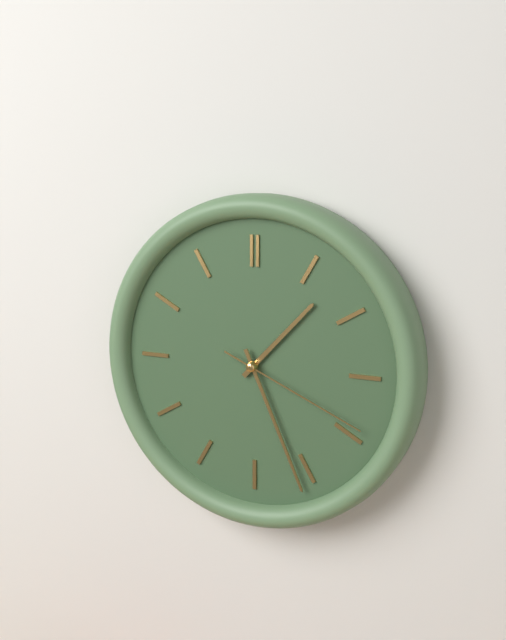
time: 1:26:19
